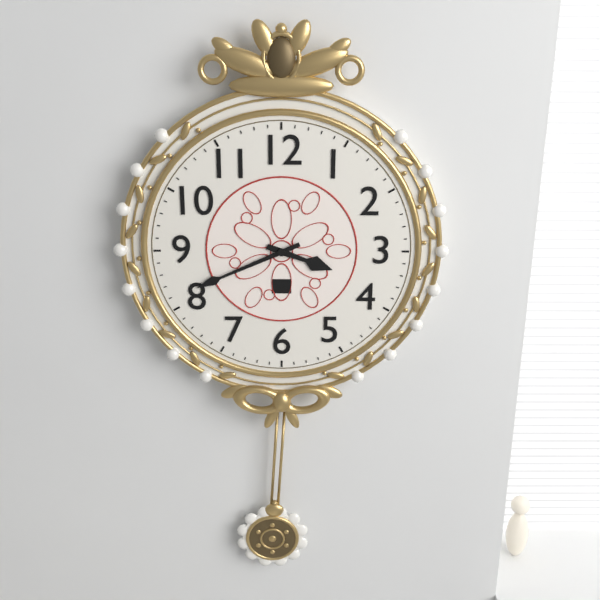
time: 3:41
